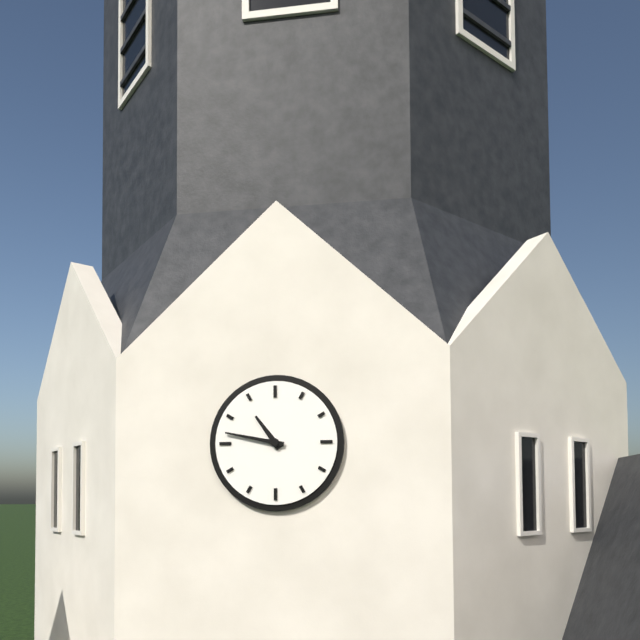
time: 10:47
